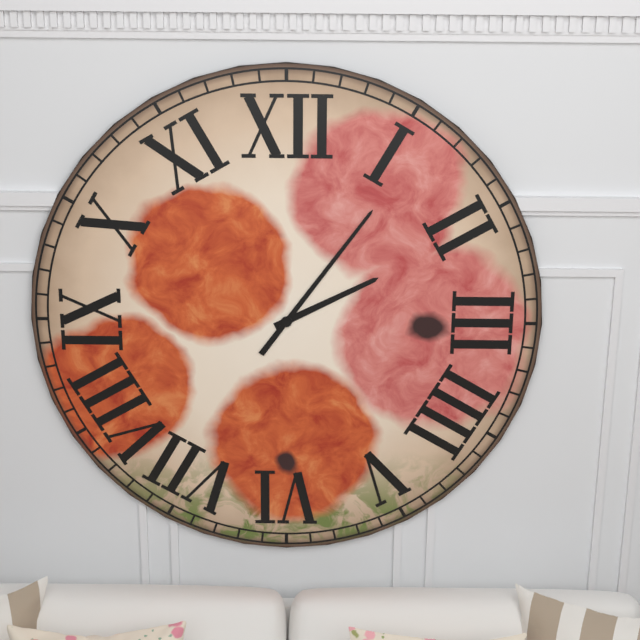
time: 2:06
